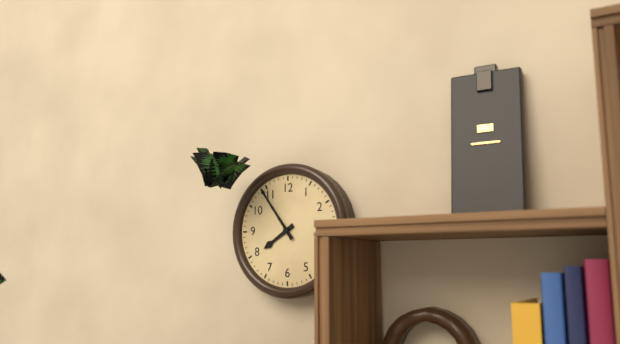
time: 7:54
